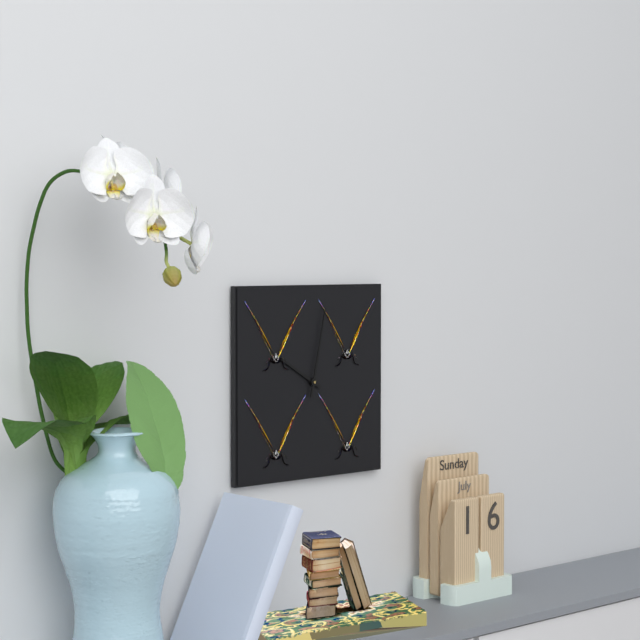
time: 10:02
